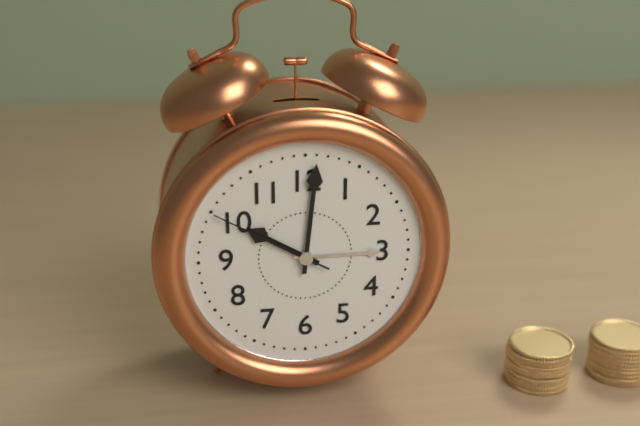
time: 10:01:50
